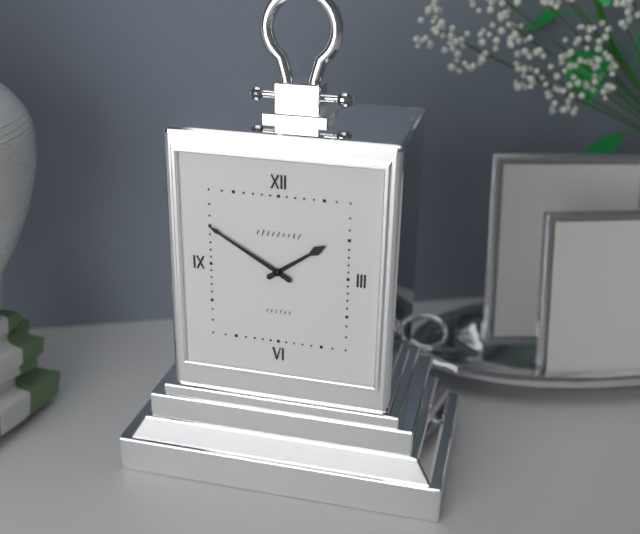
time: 1:50
